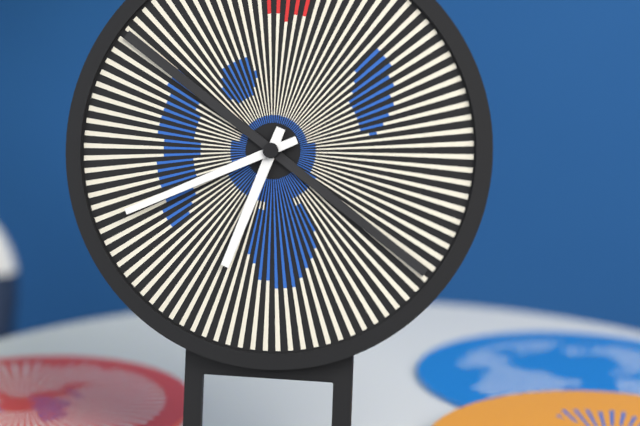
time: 6:41
